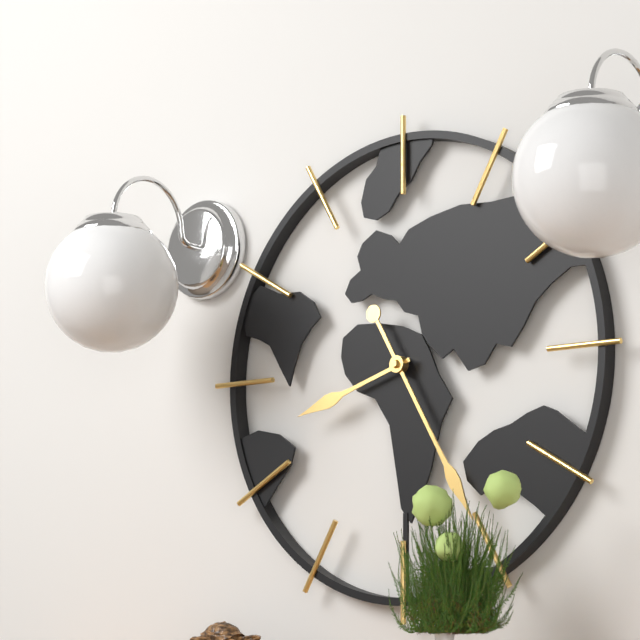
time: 8:25
